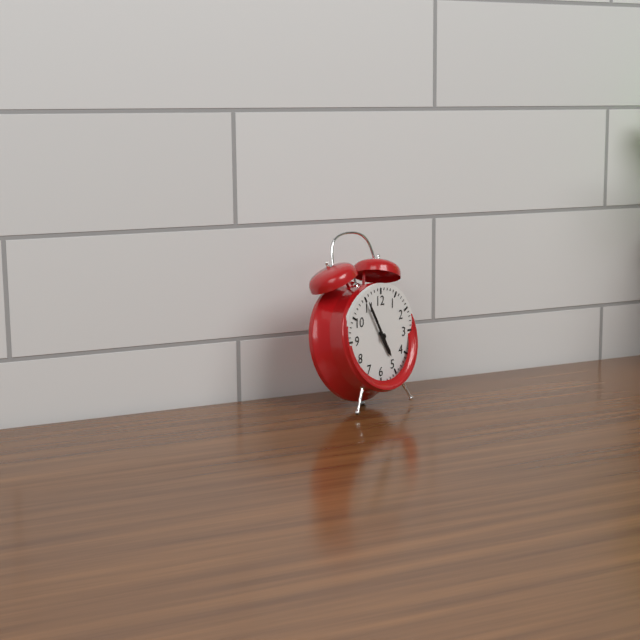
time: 4:55
